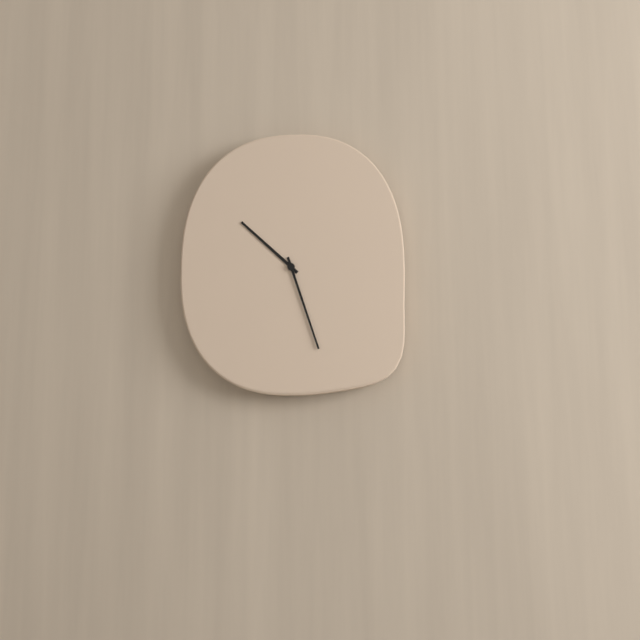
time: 10:27
